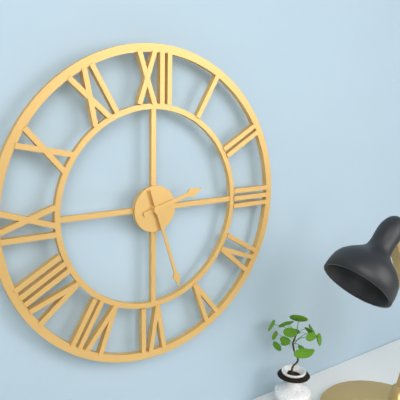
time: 2:27
